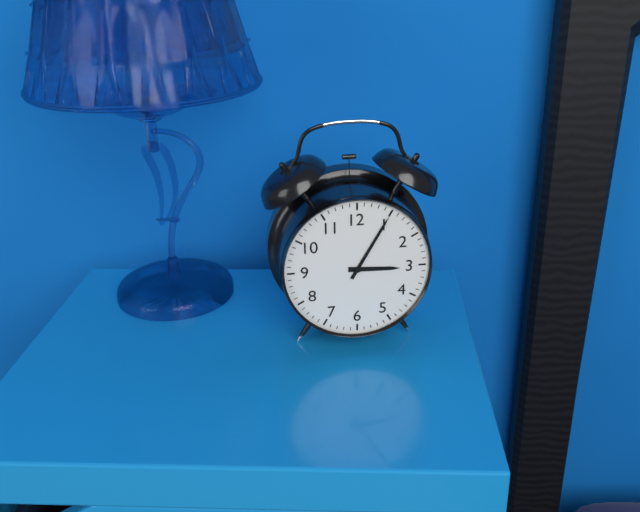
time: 3:05
